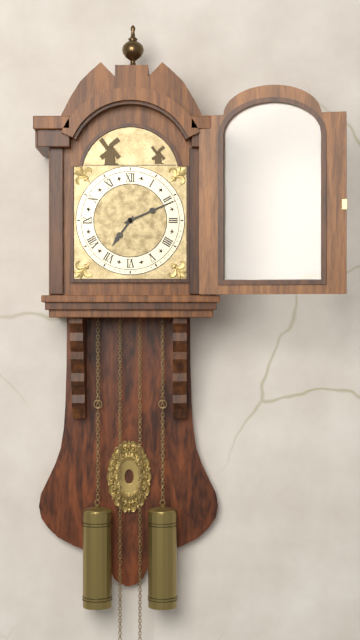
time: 7:11
